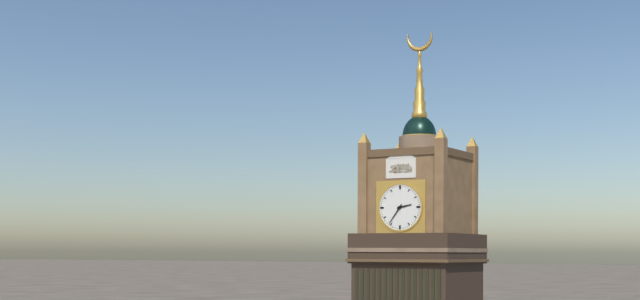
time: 2:36
